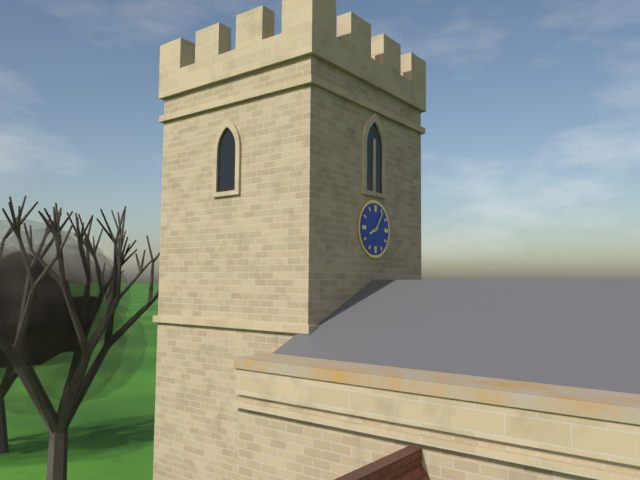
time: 8:06
